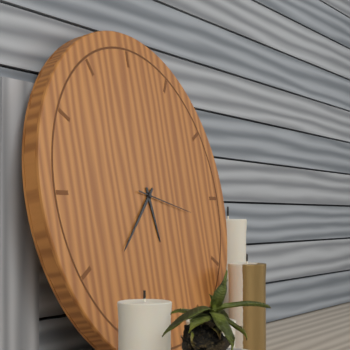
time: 5:38:17
